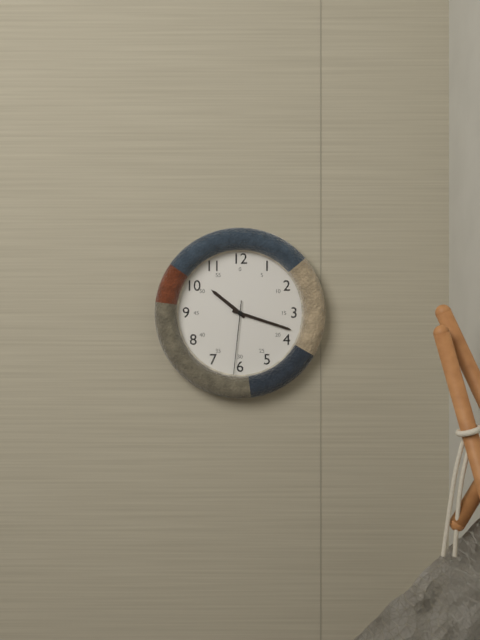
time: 10:18:31
